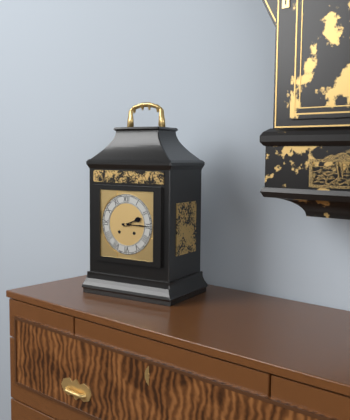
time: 2:15
